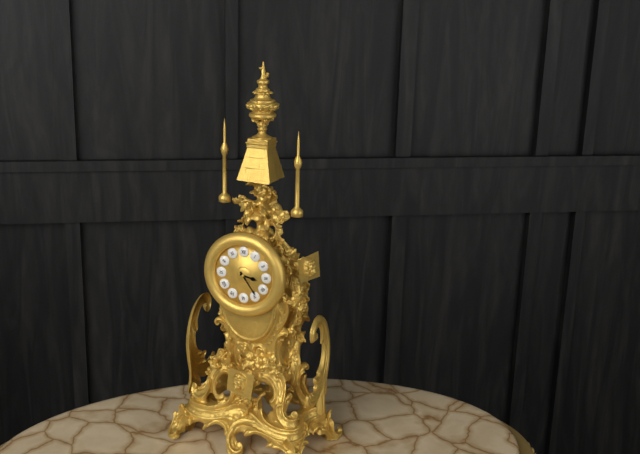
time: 3:24
